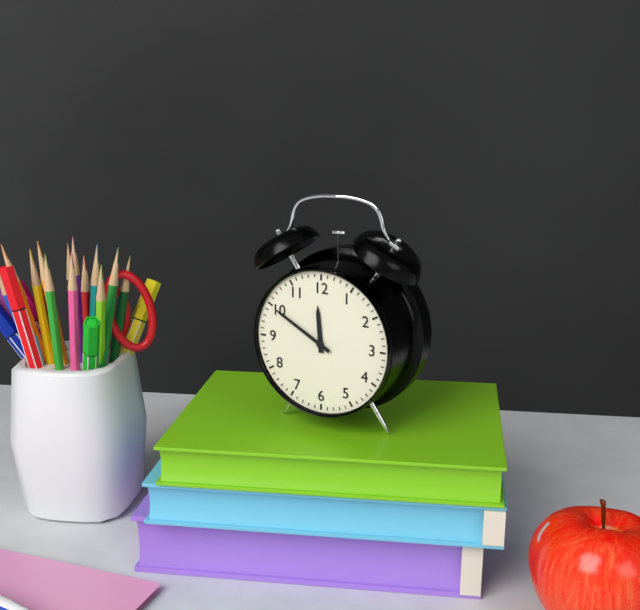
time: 11:50
